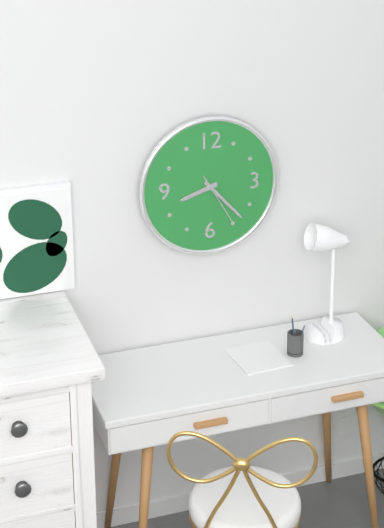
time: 8:23:25
